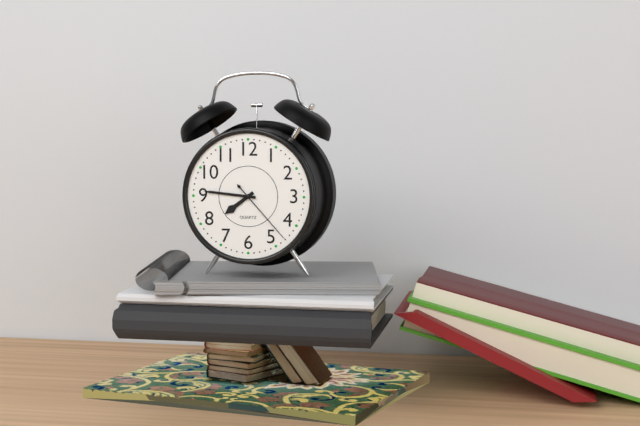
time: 7:46:23
